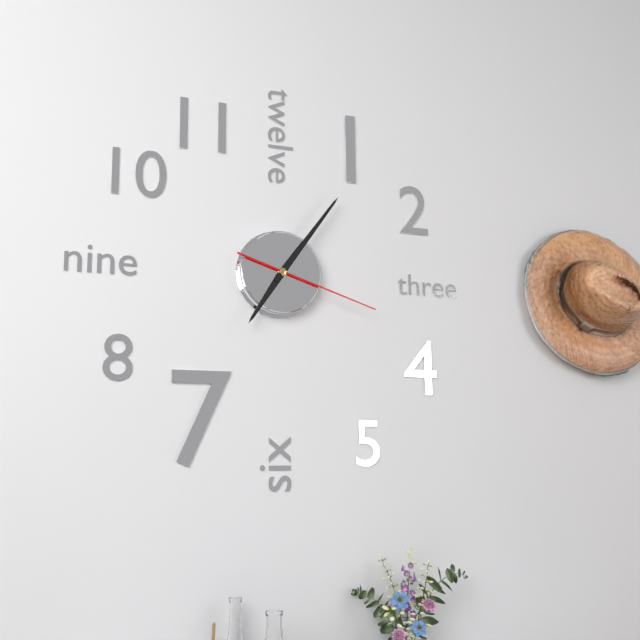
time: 7:06:18
